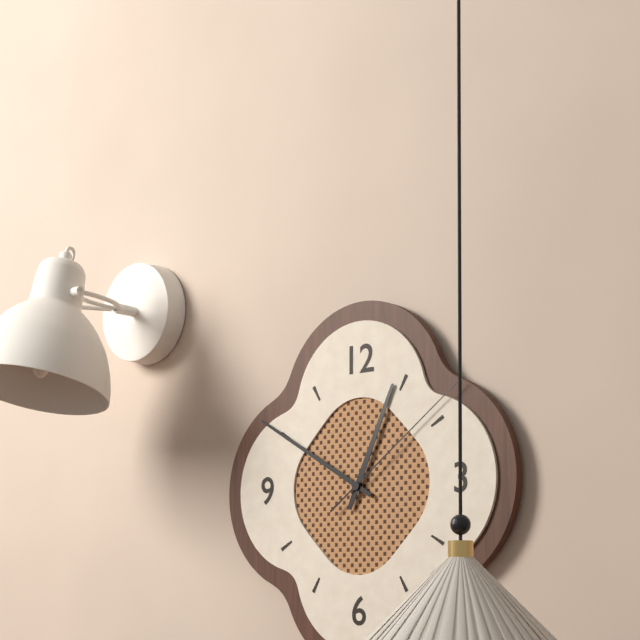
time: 12:50:09
